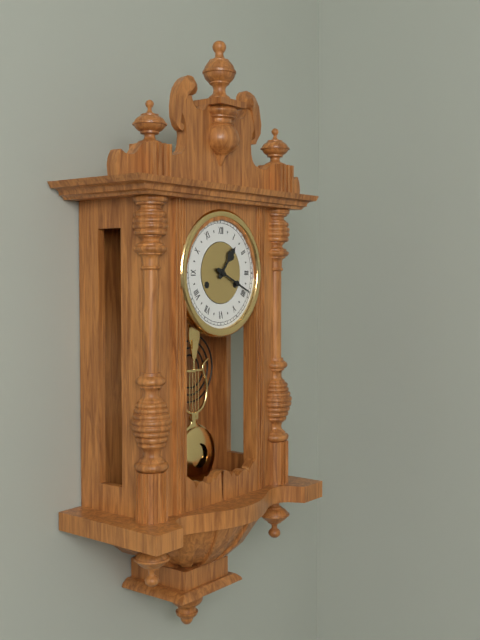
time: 1:19
